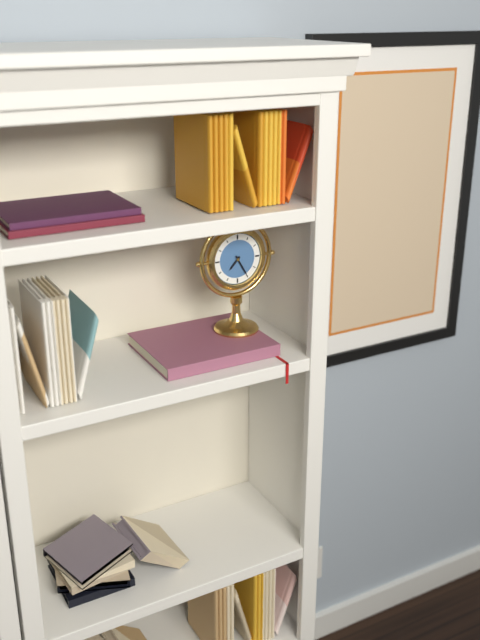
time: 7:25
